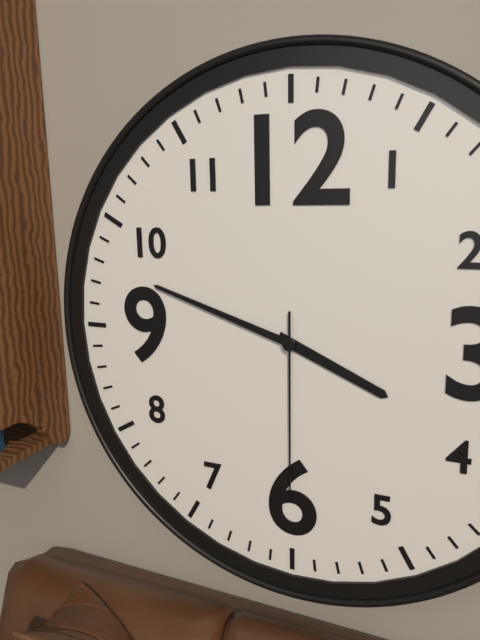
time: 3:48:30
